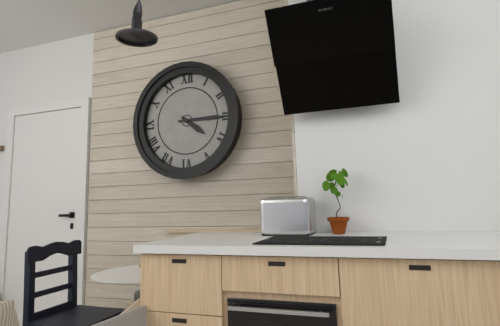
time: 4:15
